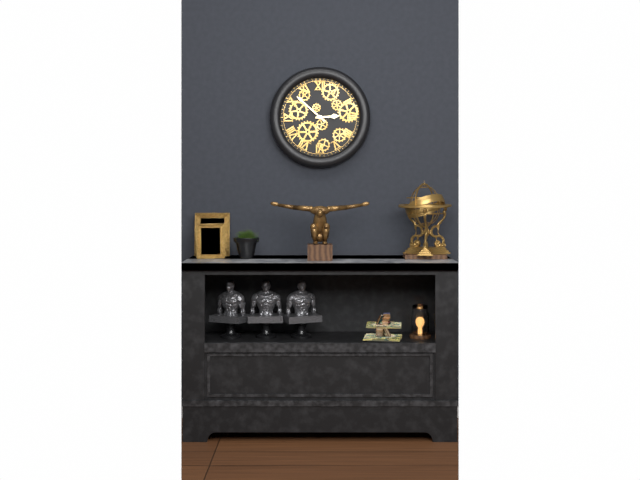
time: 2:52
